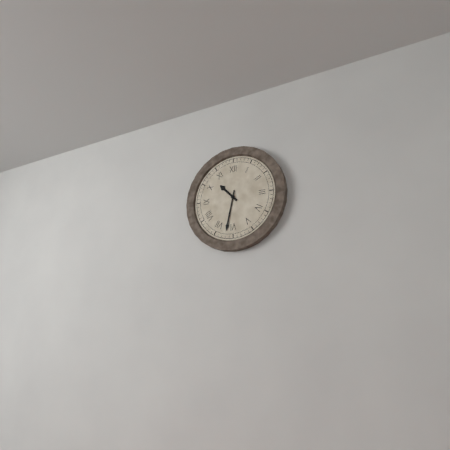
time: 10:32
